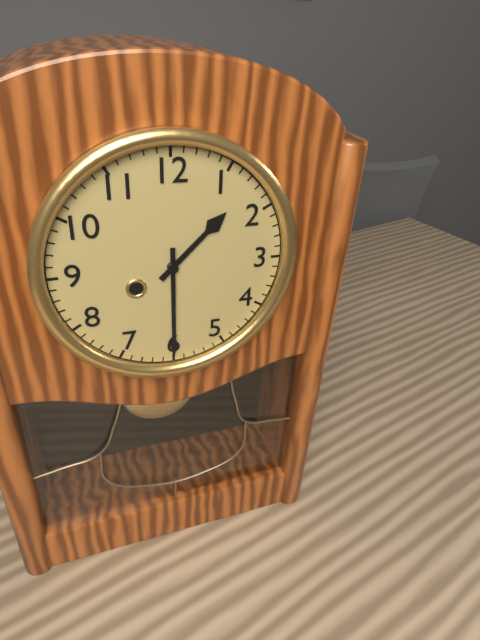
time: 1:30
